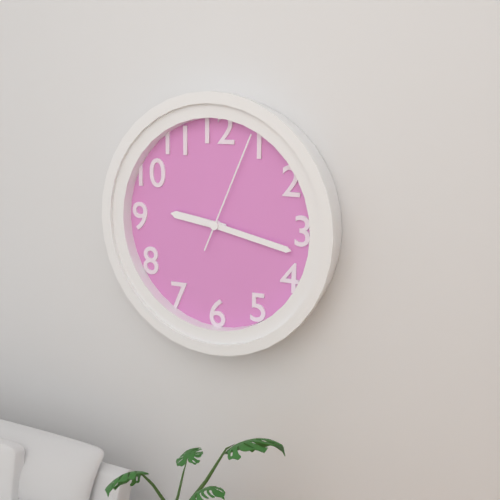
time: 9:17:04
